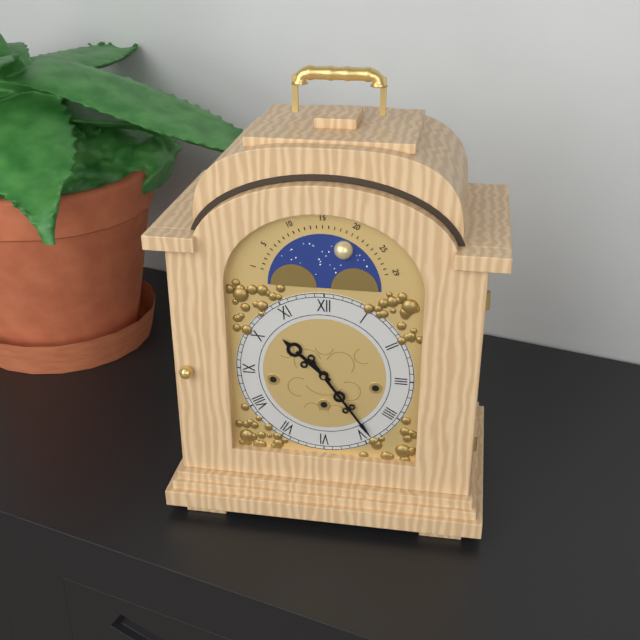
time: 10:24
